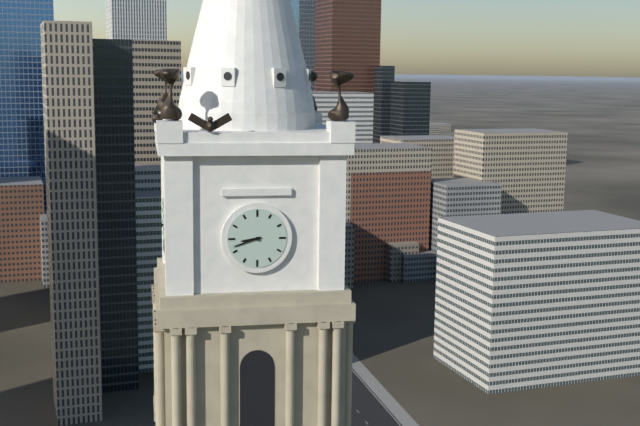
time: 8:42
